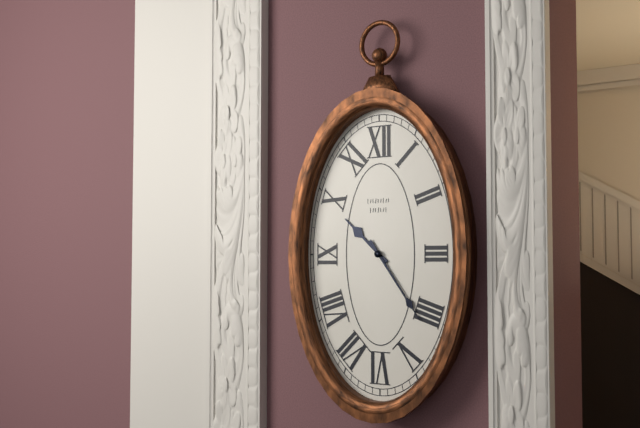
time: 10:24
